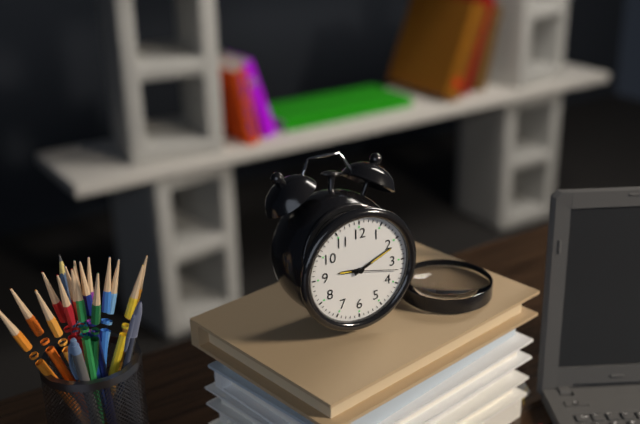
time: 9:11
